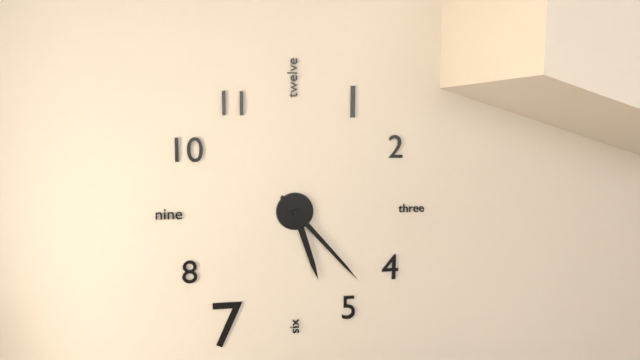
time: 5:23
